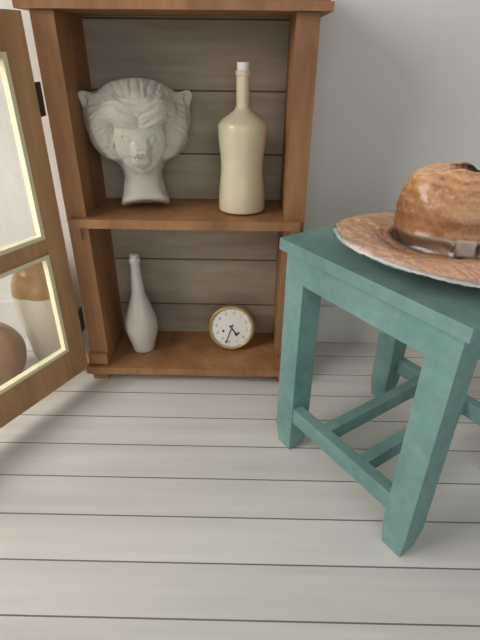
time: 4:32
